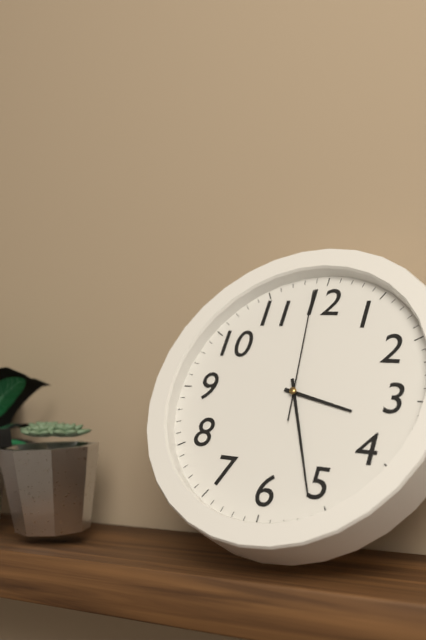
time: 3:26:59
